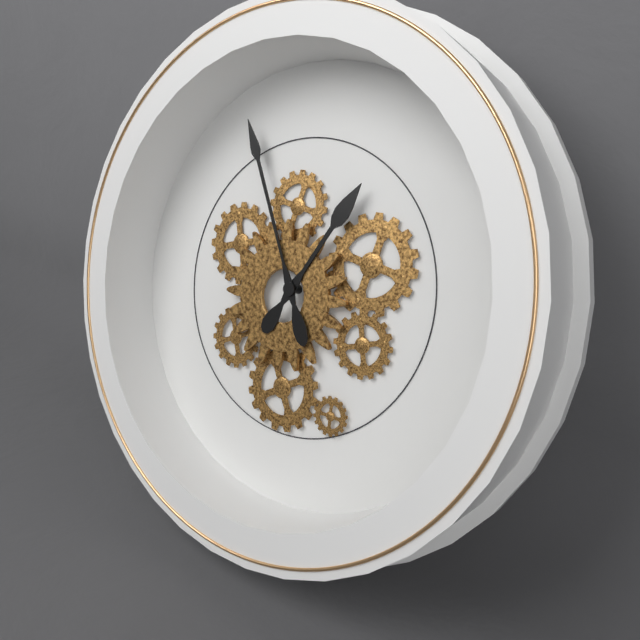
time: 12:55
